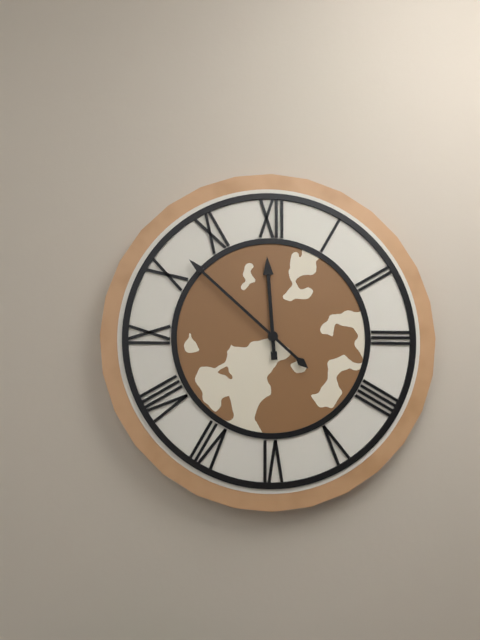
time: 11:52
